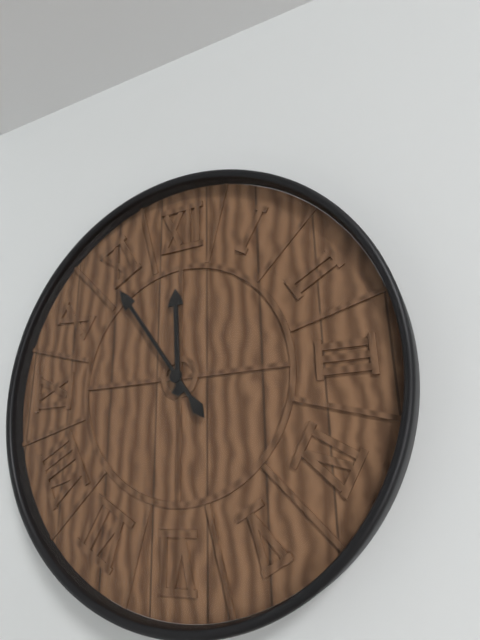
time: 11:54
